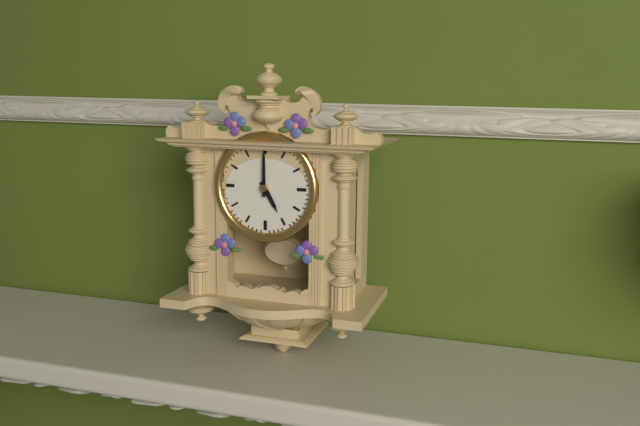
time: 5:00
